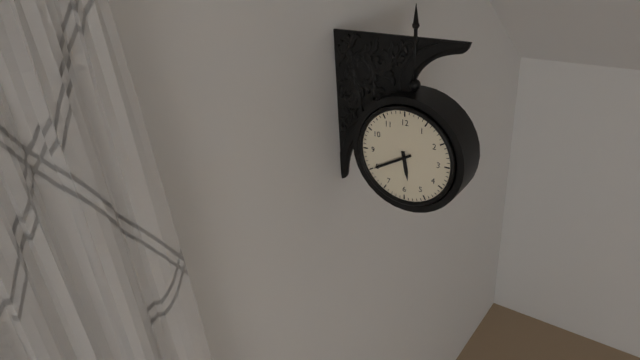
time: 5:40
